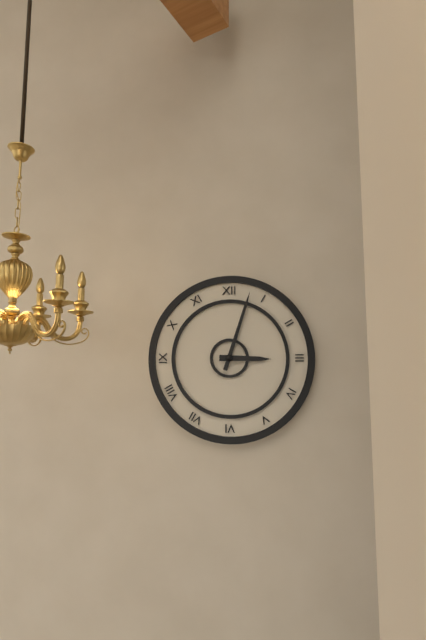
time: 3:03
